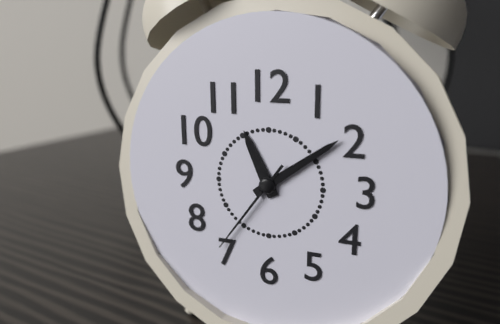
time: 11:09:36
